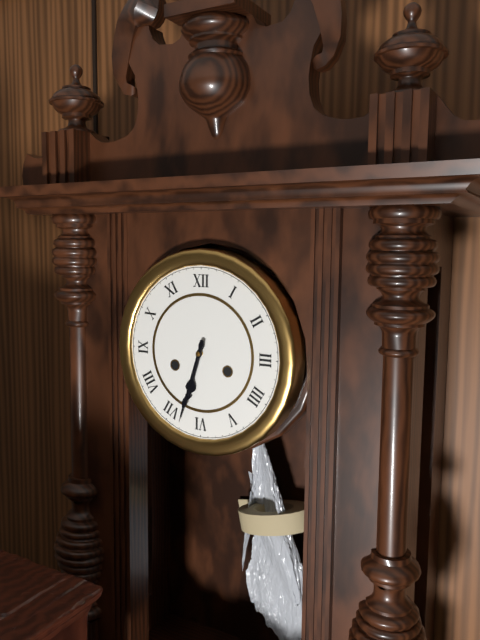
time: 6:33
